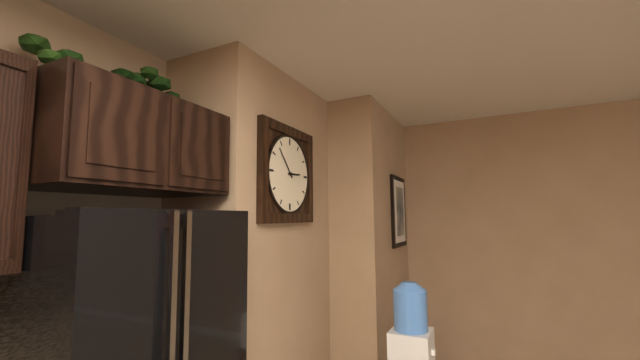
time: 2:53
